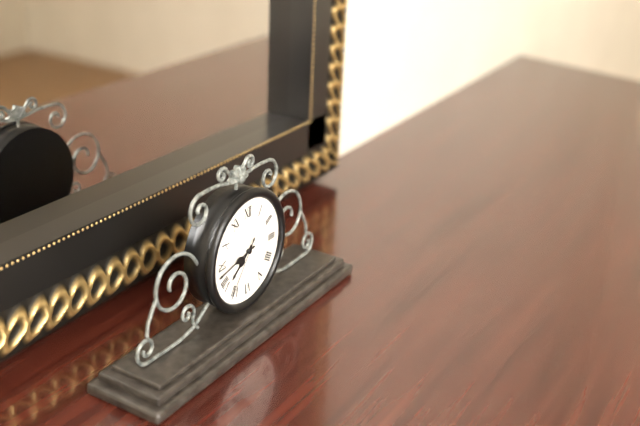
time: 7:43:36
